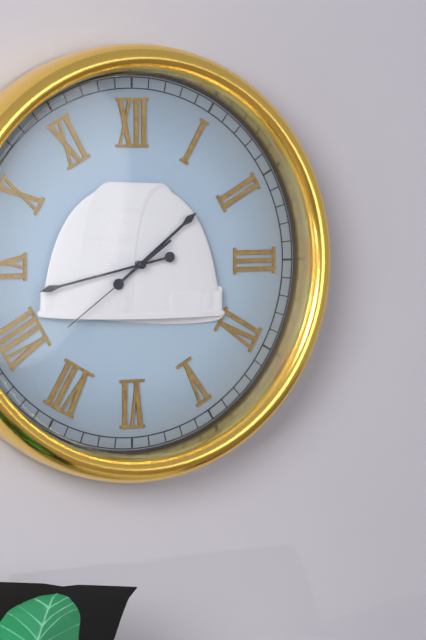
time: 1:43:39
